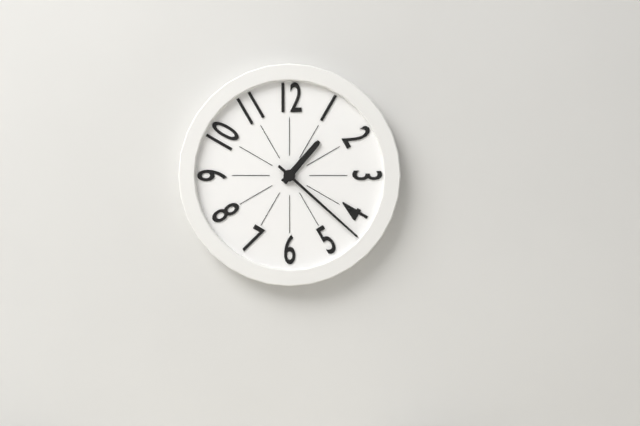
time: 1:22
